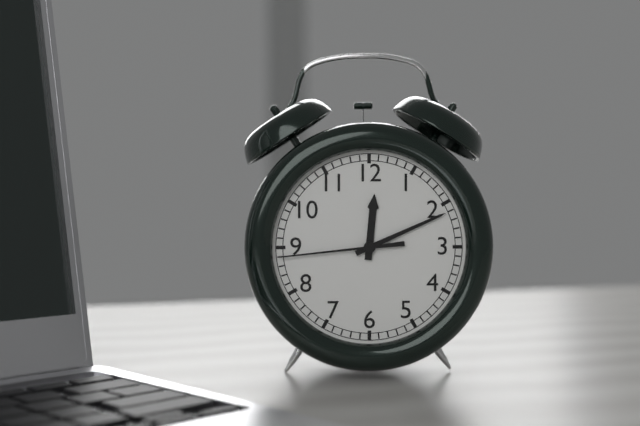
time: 12:11:44
